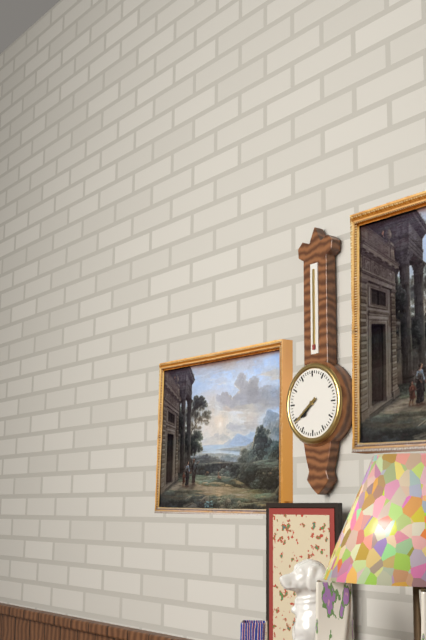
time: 7:39
